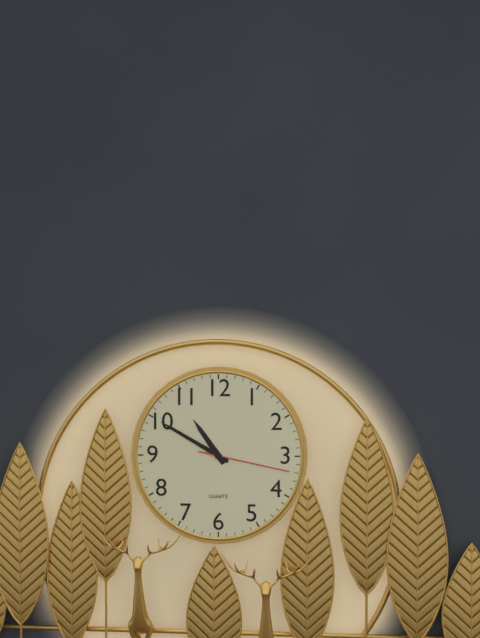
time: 10:50:17
